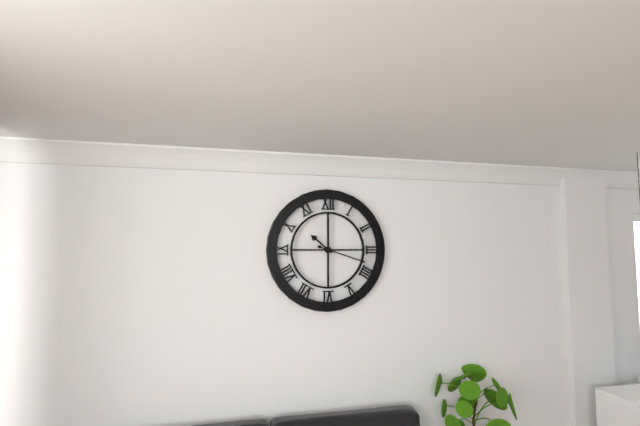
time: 10:18
